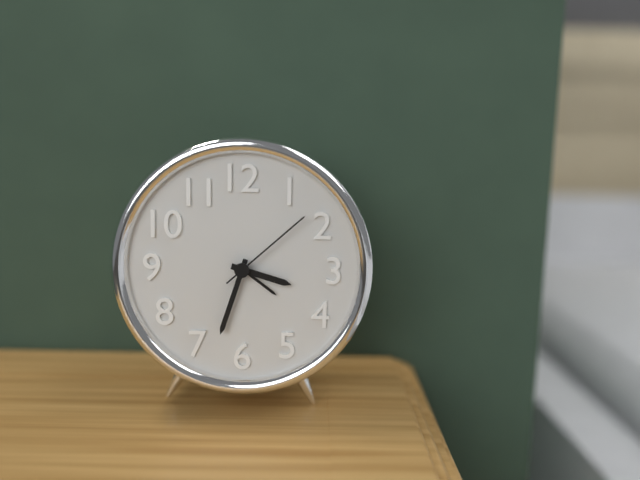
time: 3:33:08
